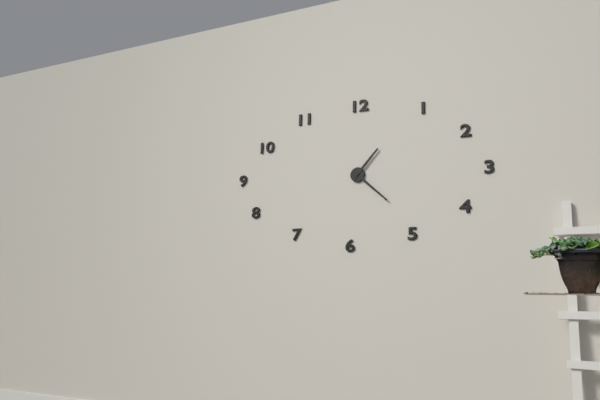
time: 1:22
